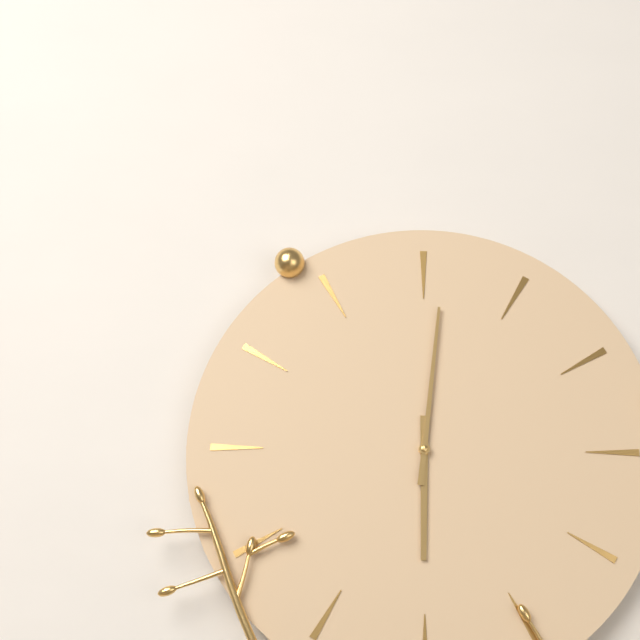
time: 6:01
